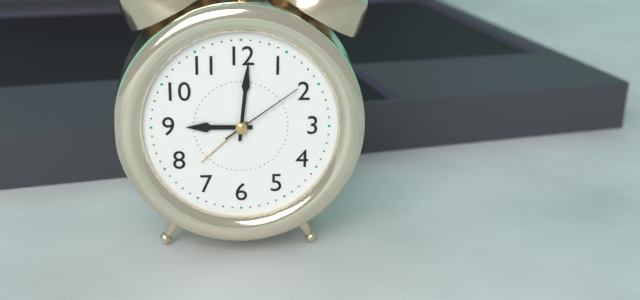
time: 9:01:09
